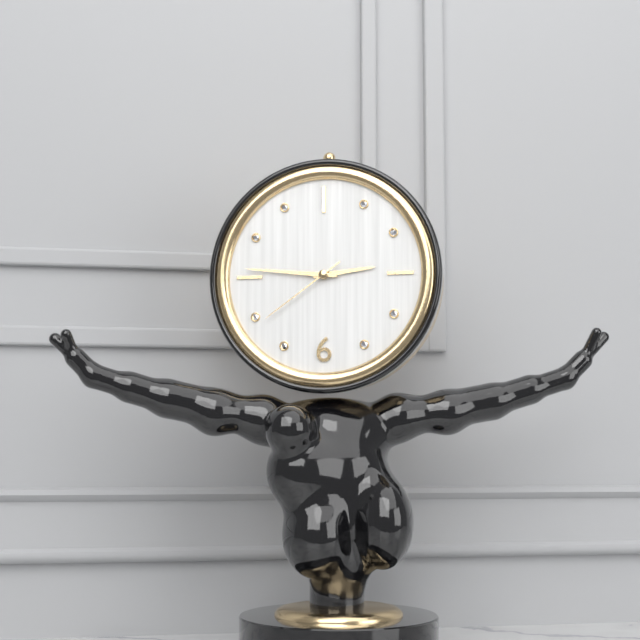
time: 2:46:39
